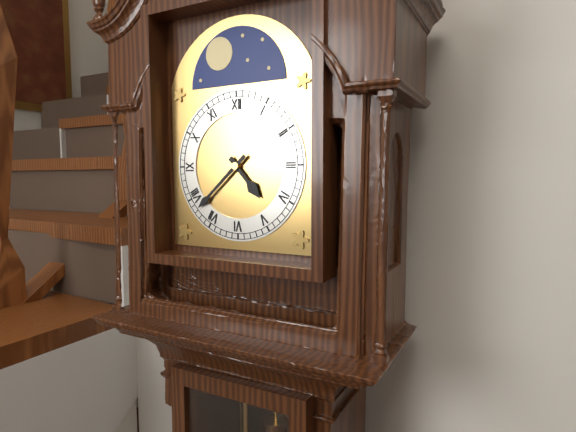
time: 4:38
